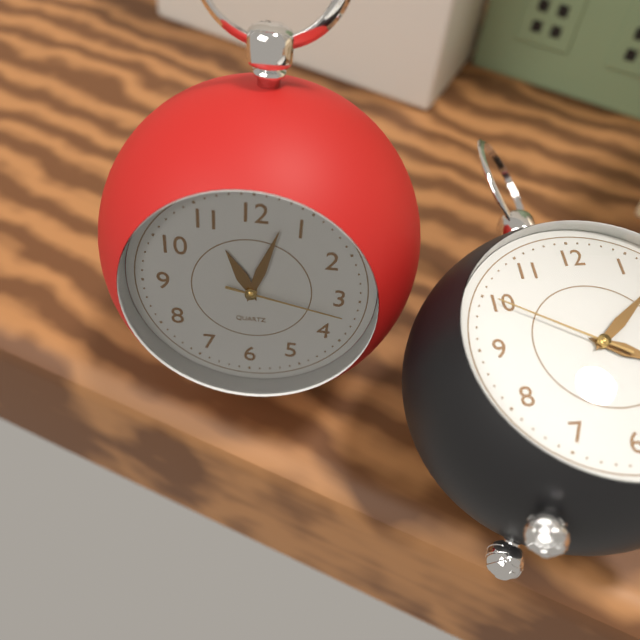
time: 11:03:17
